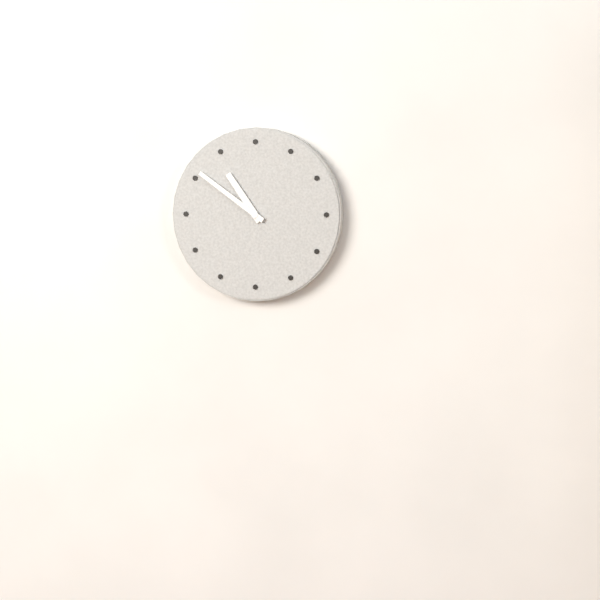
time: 10:51
